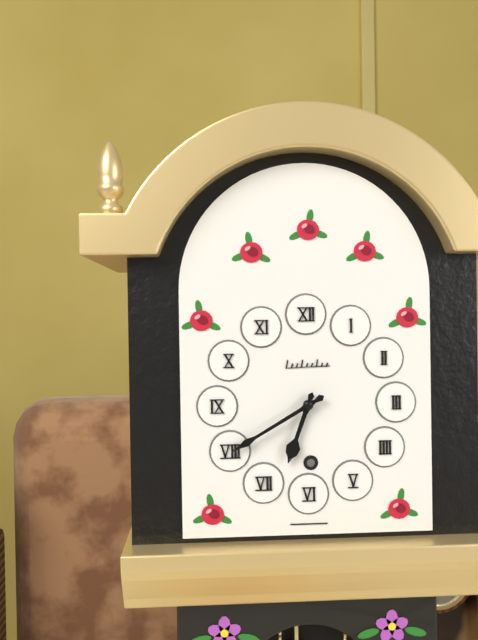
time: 6:40
